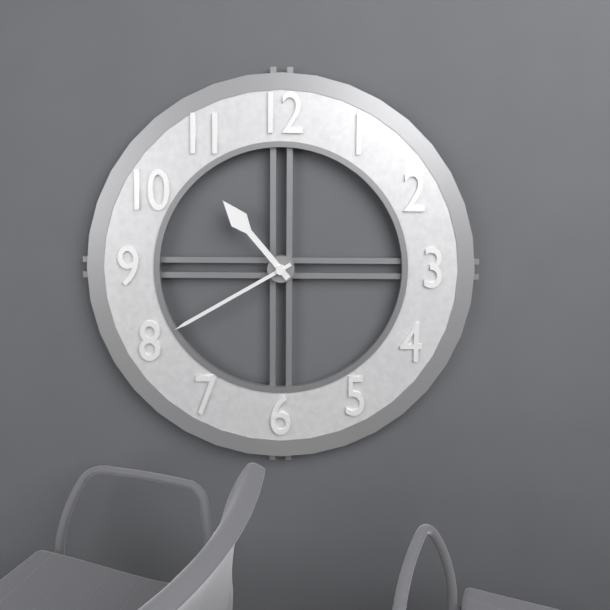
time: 10:40
